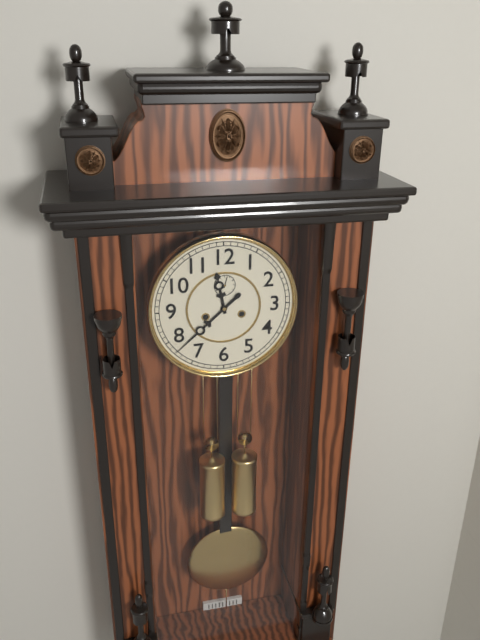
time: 11:38
